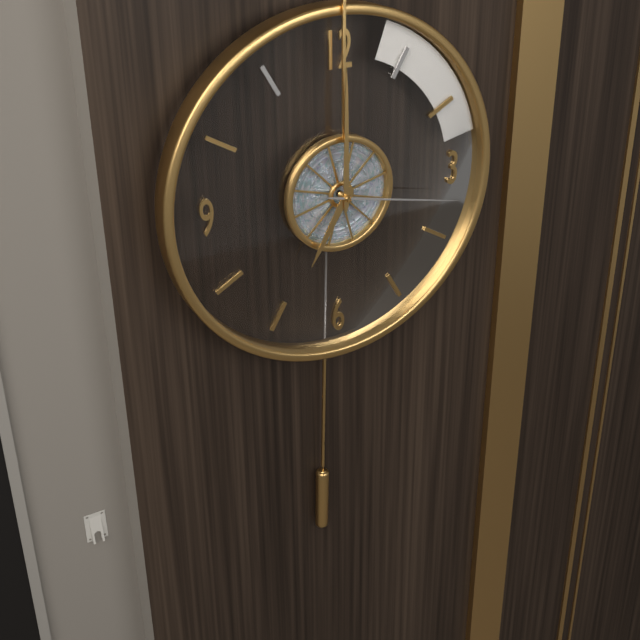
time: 7:00:17
